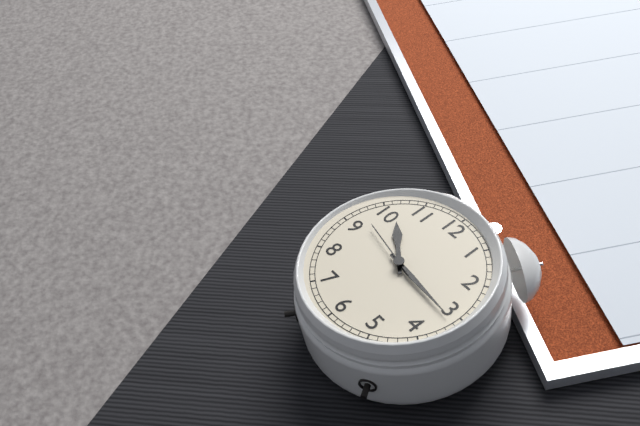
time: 10:16:47
